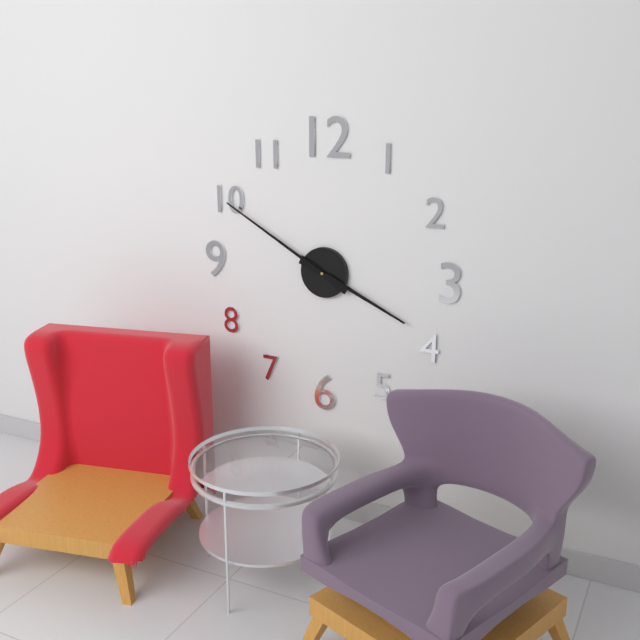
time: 3:50
